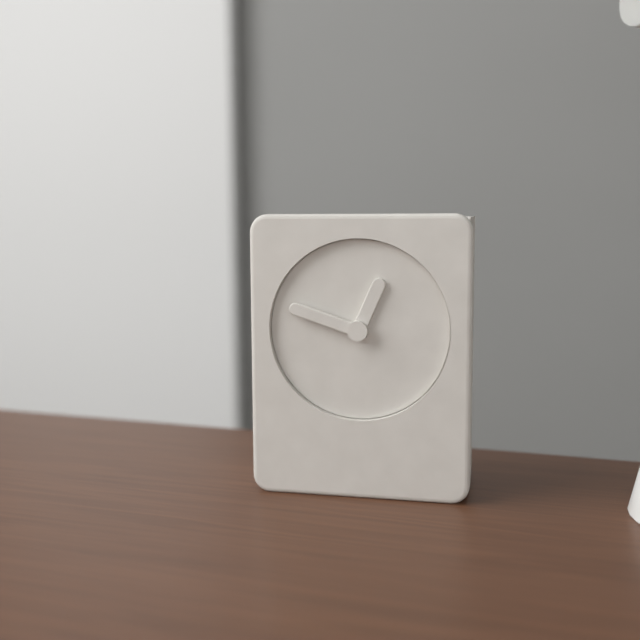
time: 12:48
